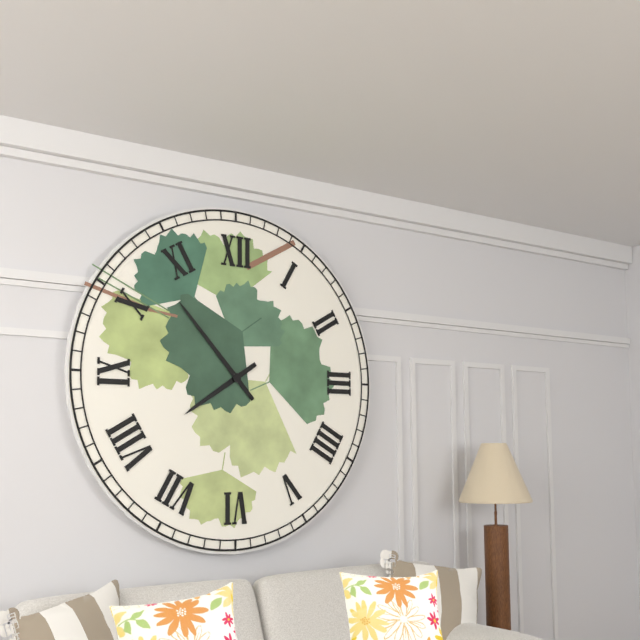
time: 7:53
